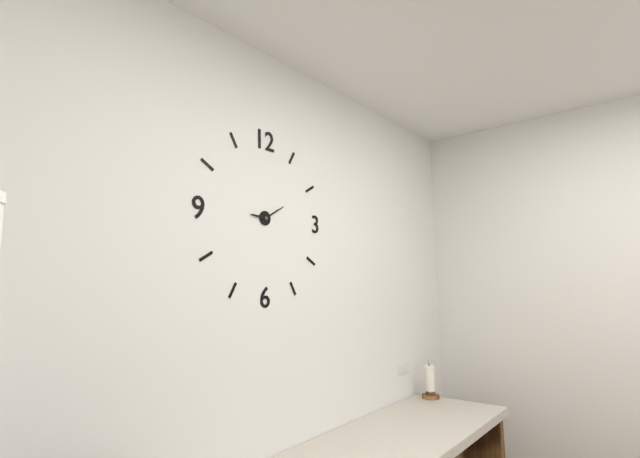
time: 9:10
